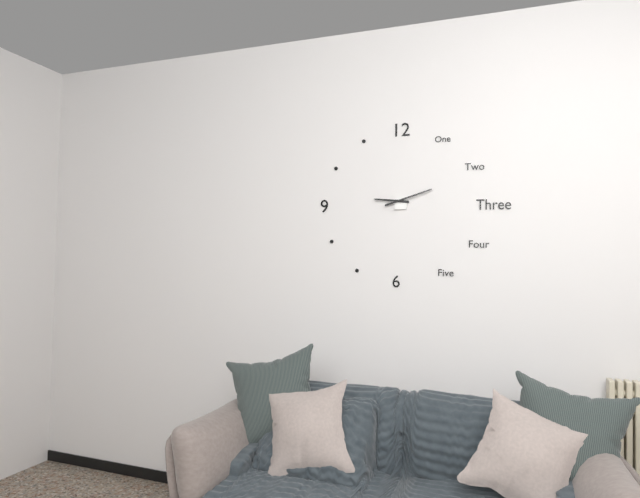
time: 9:12
